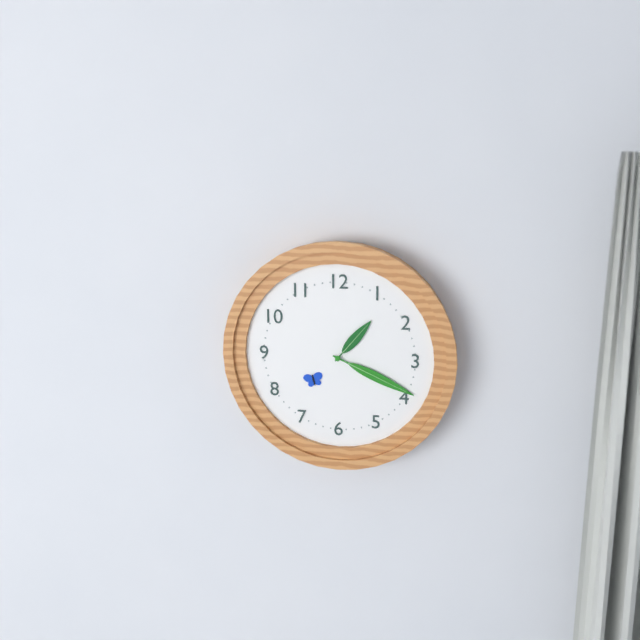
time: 1:19
